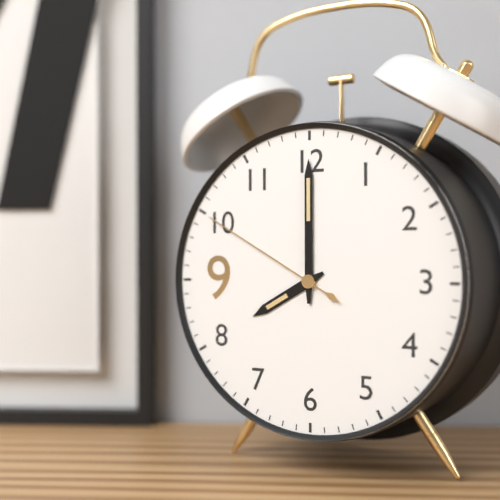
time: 8:00:50
